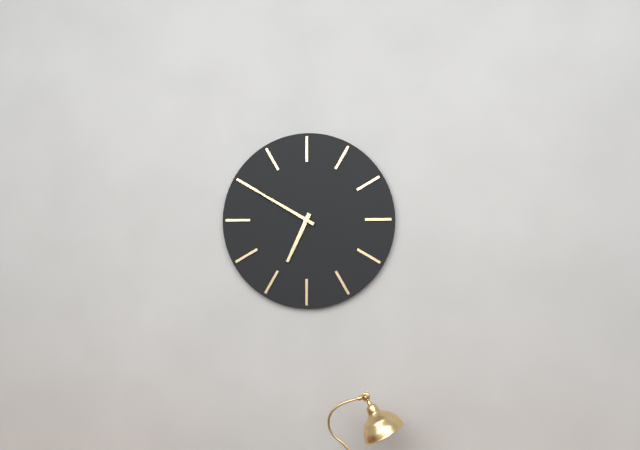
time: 6:50
